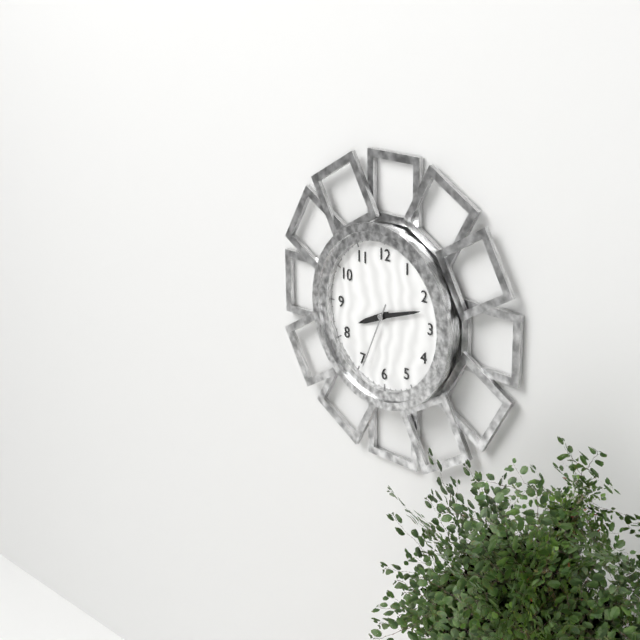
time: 8:12:34
